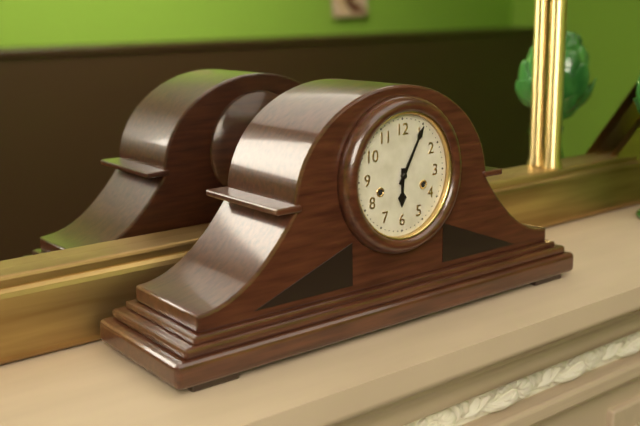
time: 6:05
